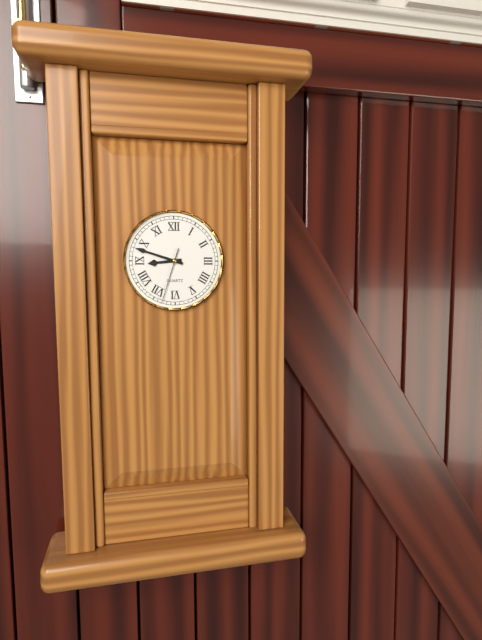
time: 8:48:33
